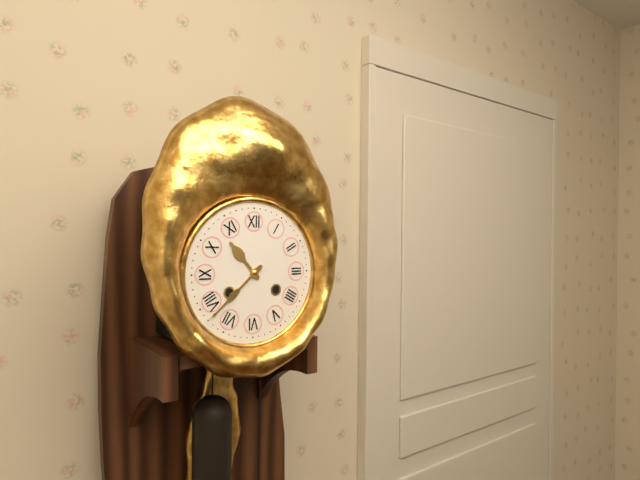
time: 10:38
